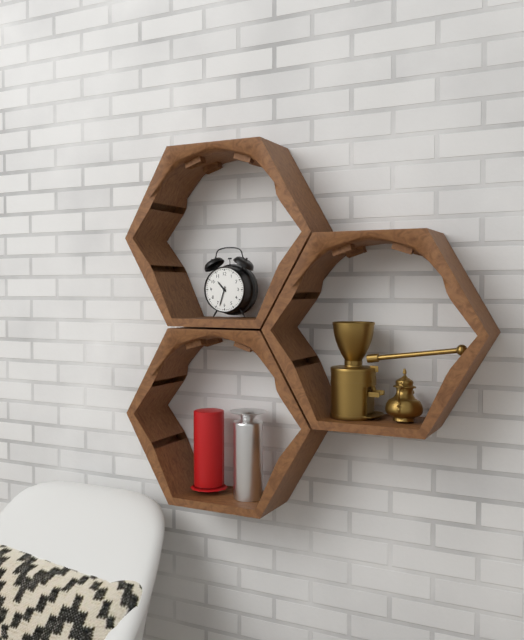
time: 10:33
